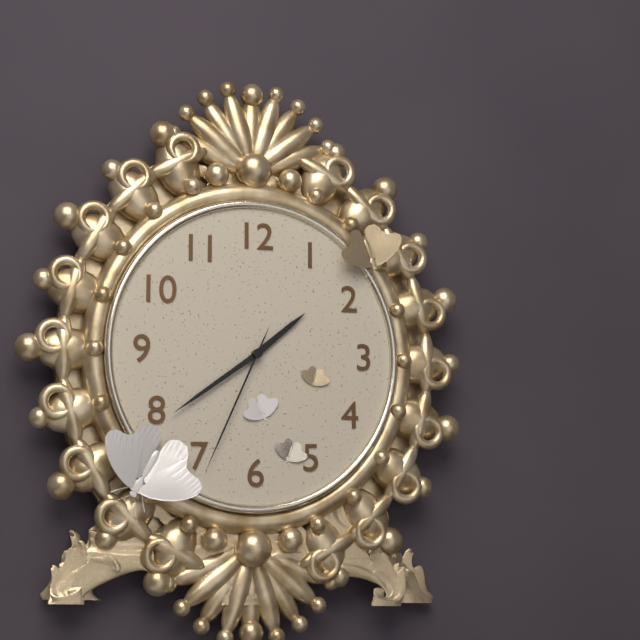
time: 1:39:34
